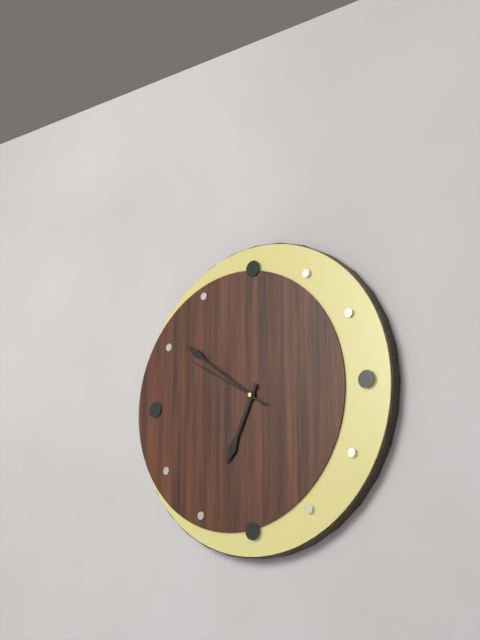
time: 6:51:50
